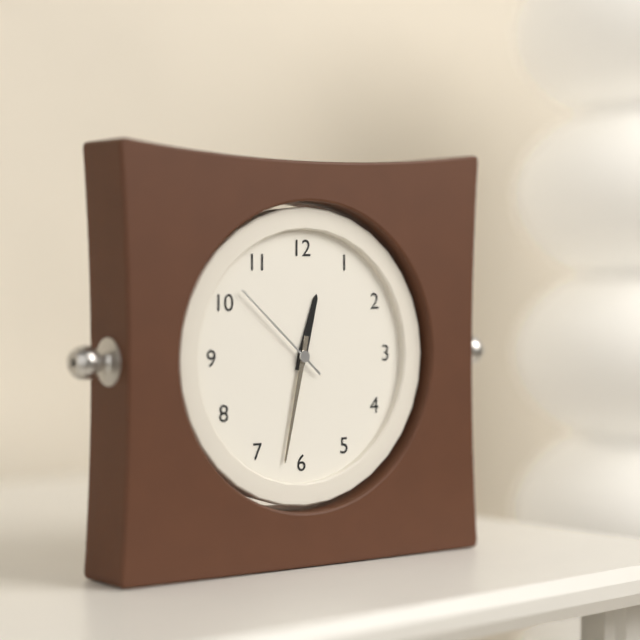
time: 12:32:52
